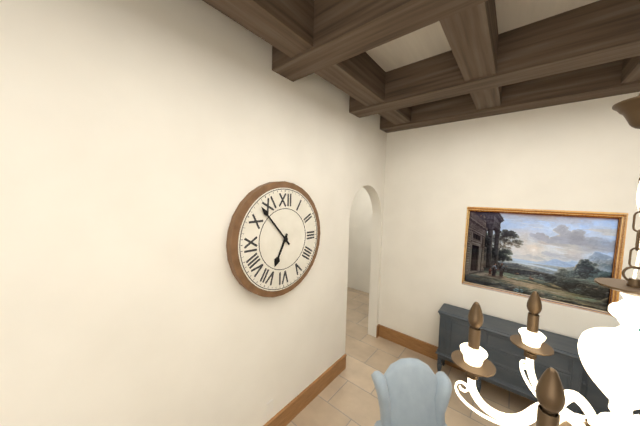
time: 6:53
